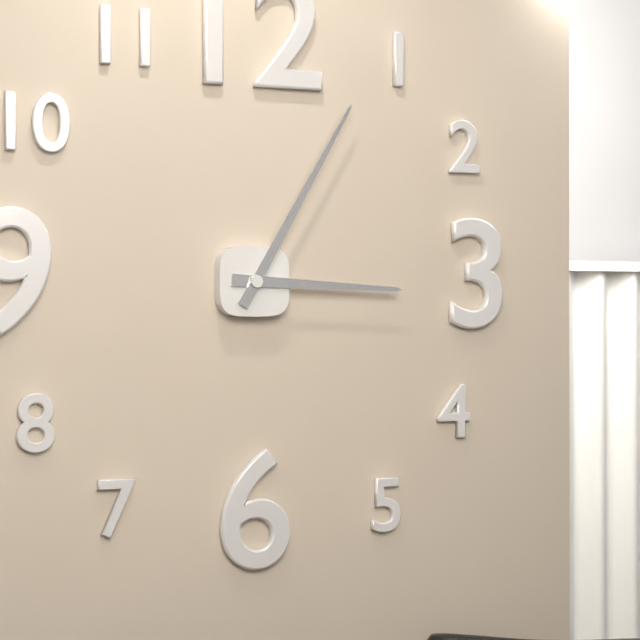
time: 3:05
